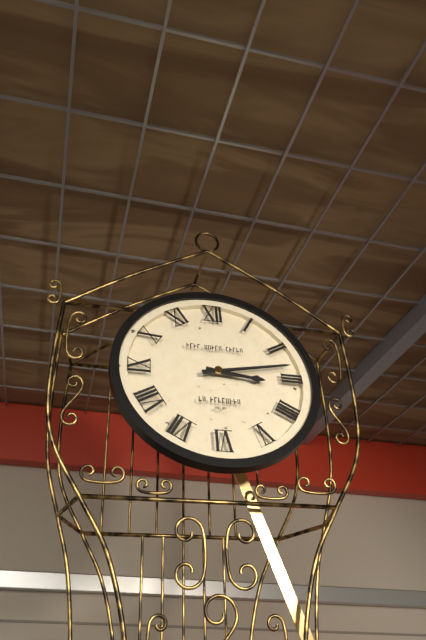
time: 3:13
